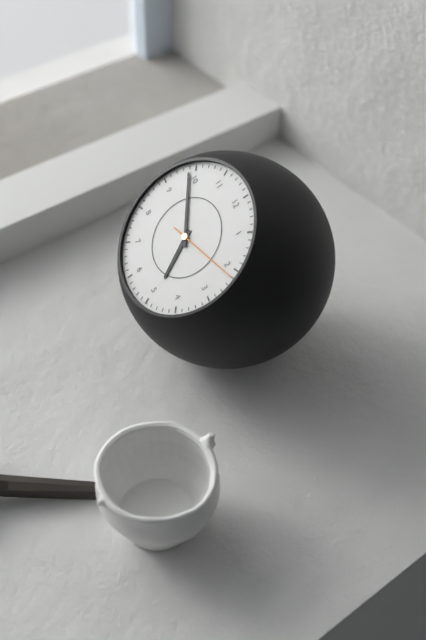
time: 4:49:11
